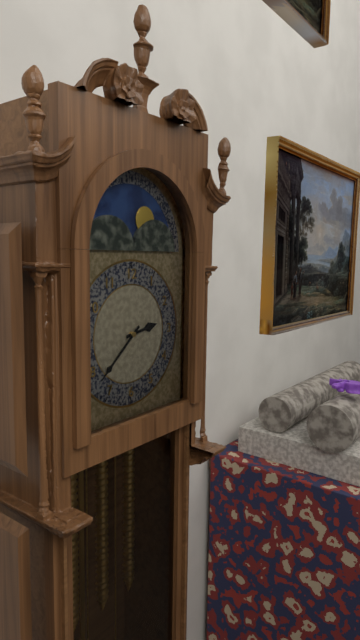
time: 2:38
